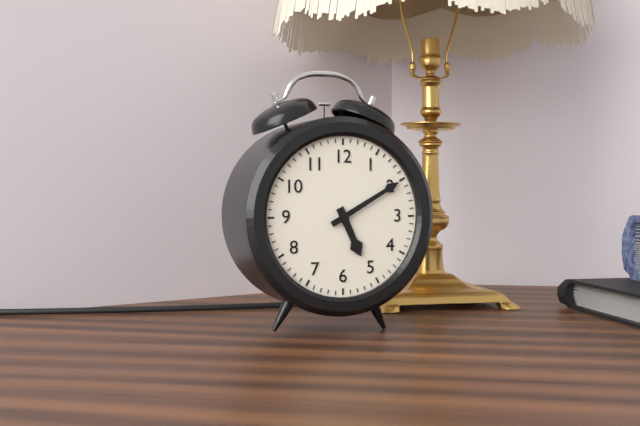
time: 5:10
